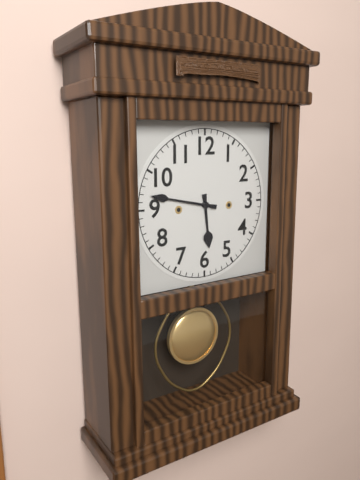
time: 5:47
